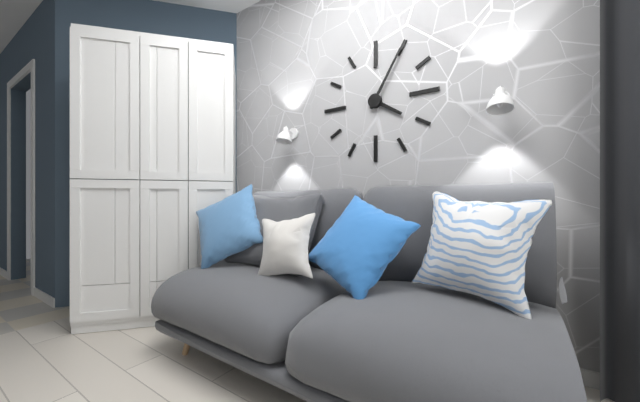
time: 4:05
